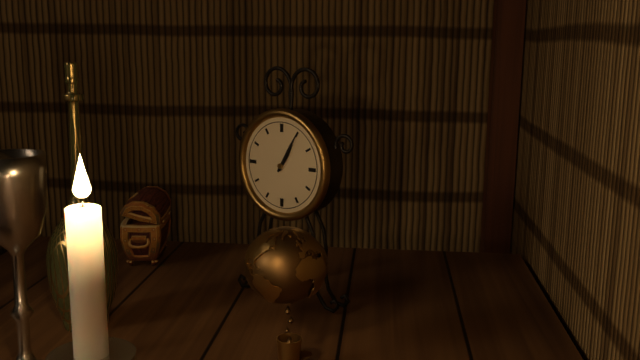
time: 1:05
